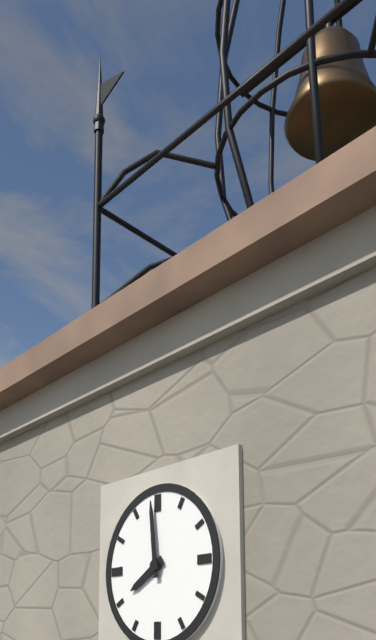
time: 7:59
